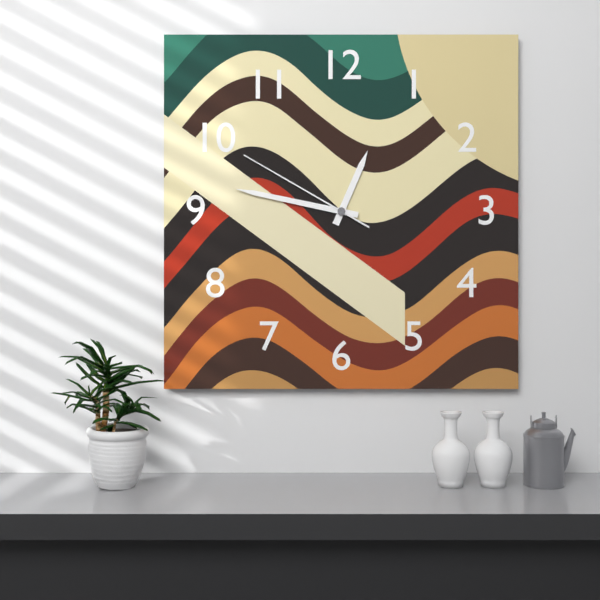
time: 12:47:50
